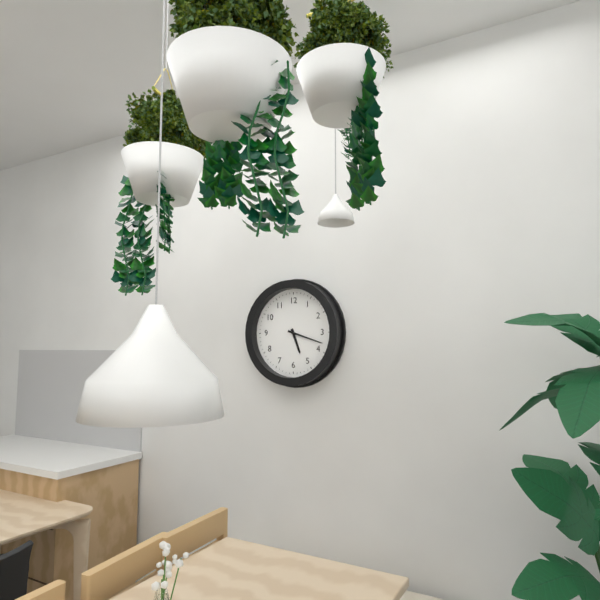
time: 5:18
